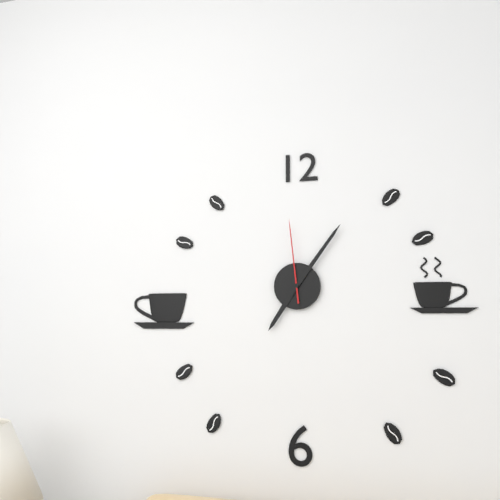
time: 7:06:59
